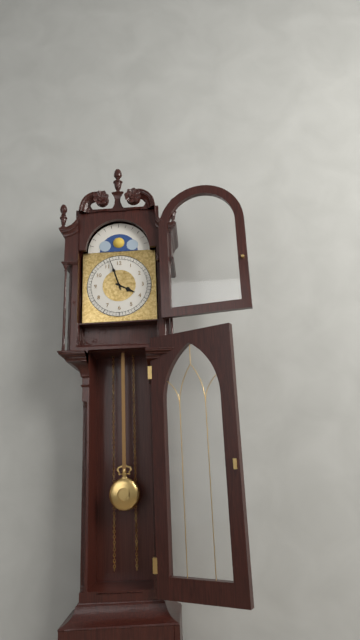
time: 3:57
